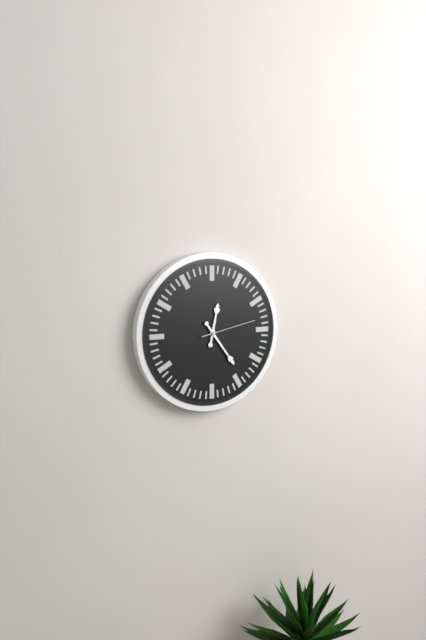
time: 12:24:13
